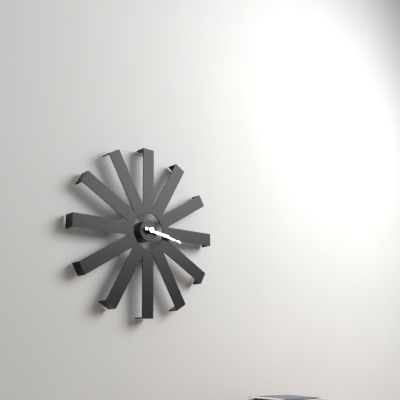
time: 3:17
